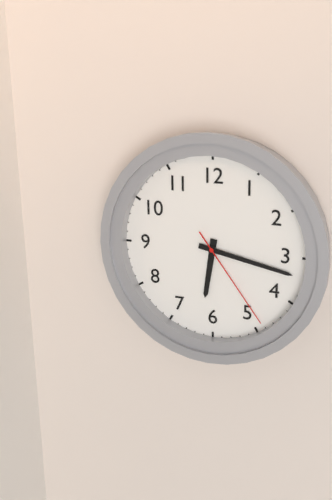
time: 6:17:24
